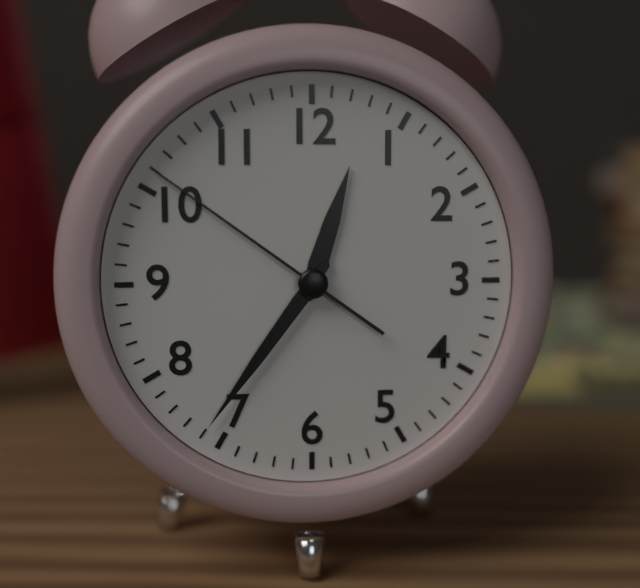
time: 12:36:51
